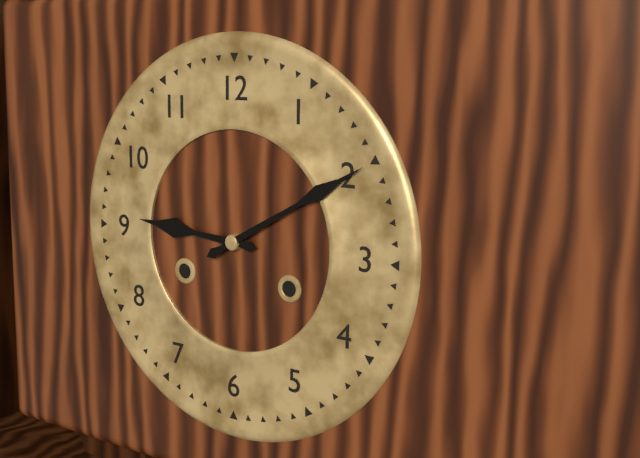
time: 9:10
